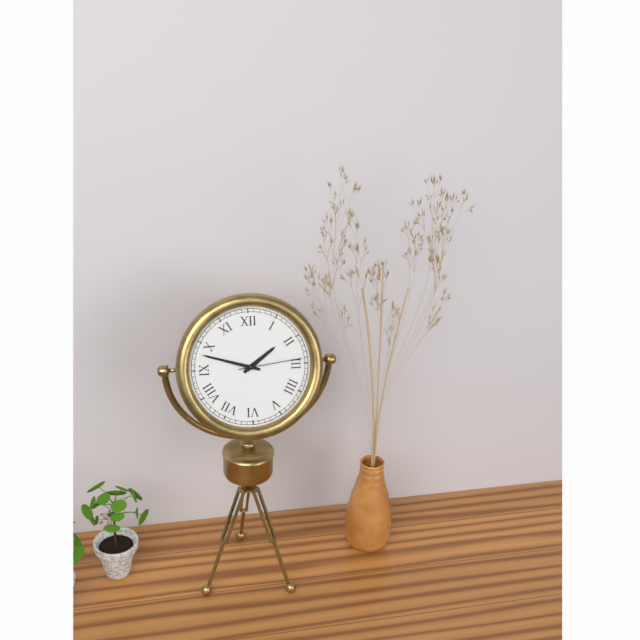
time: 1:48:14
